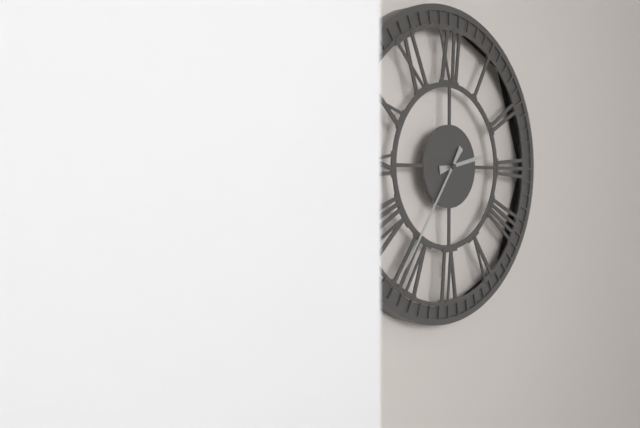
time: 2:36
